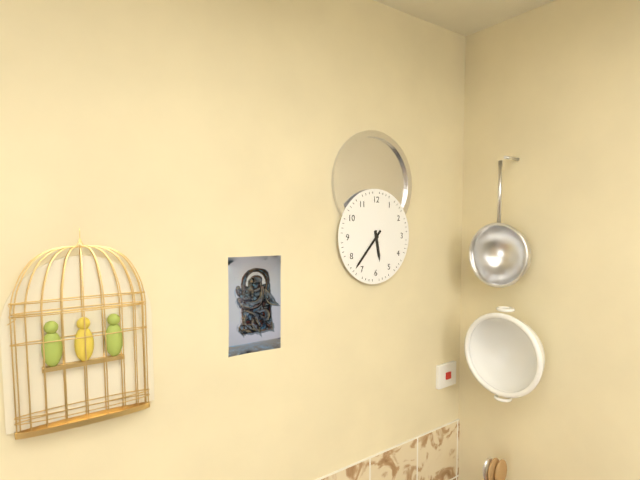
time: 5:37
